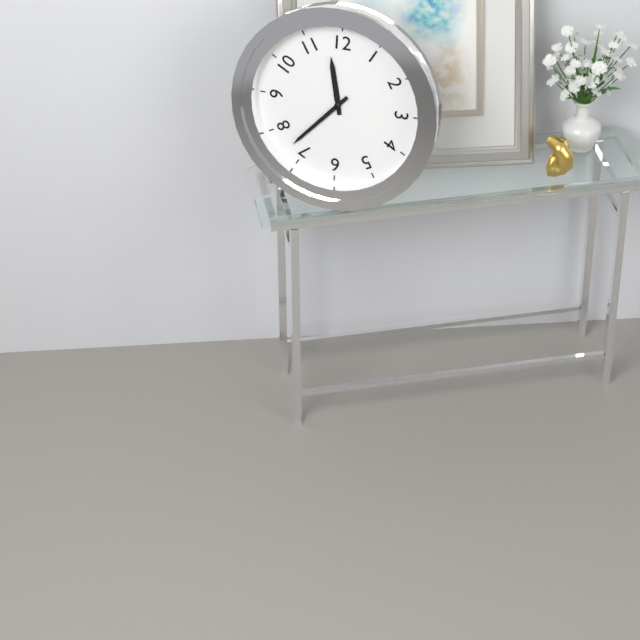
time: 11:37
